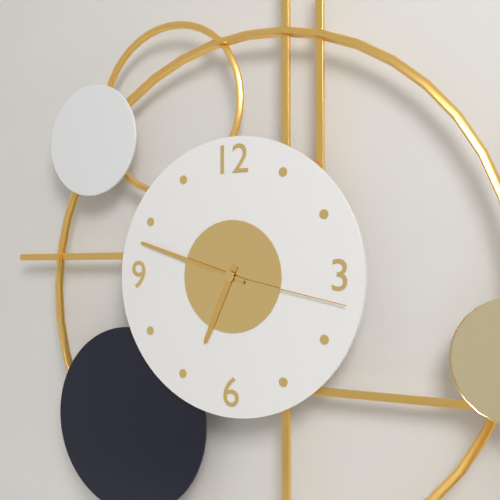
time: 6:48:17
